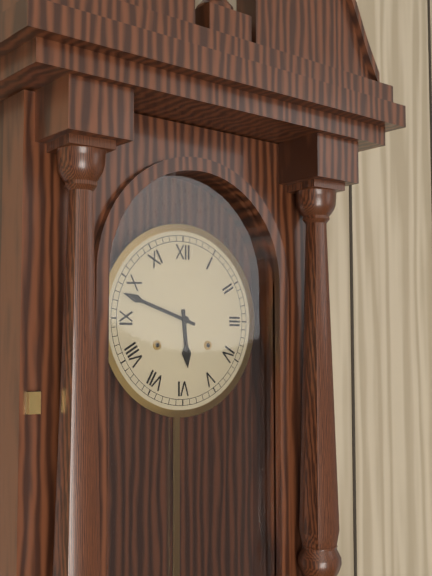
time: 5:48
